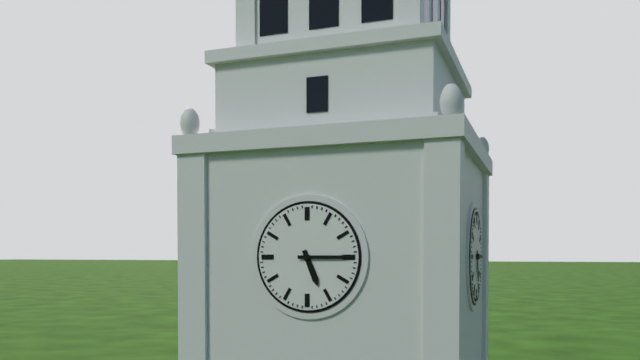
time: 5:15
